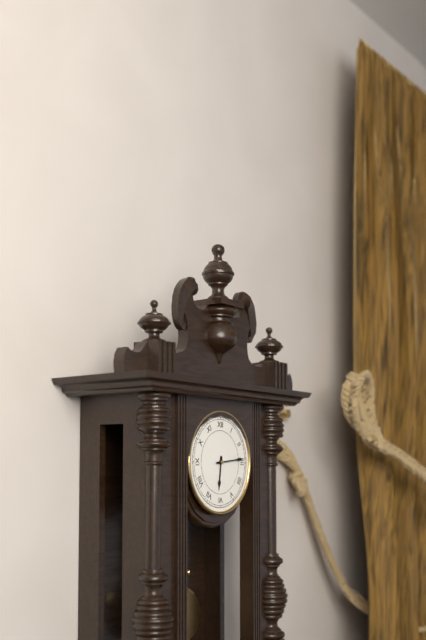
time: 6:14
